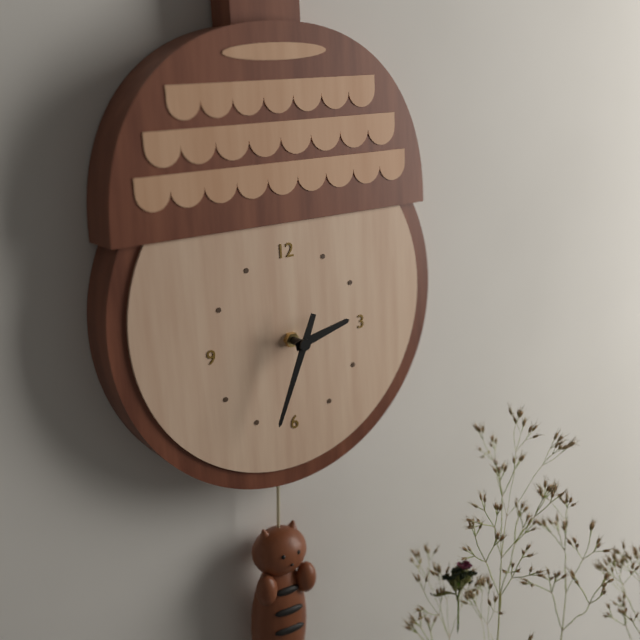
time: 2:34
